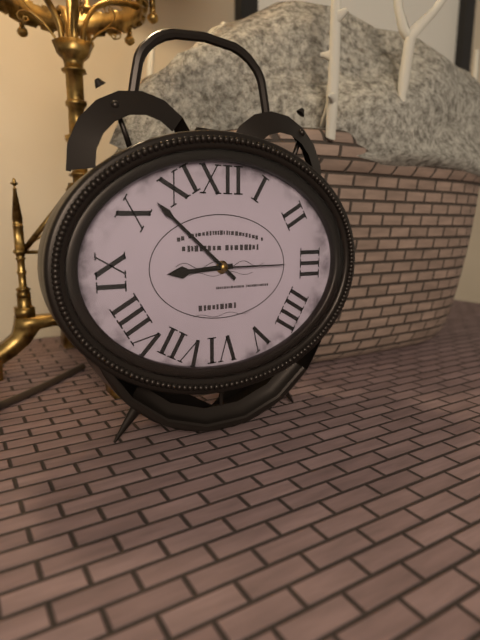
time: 8:52:15
